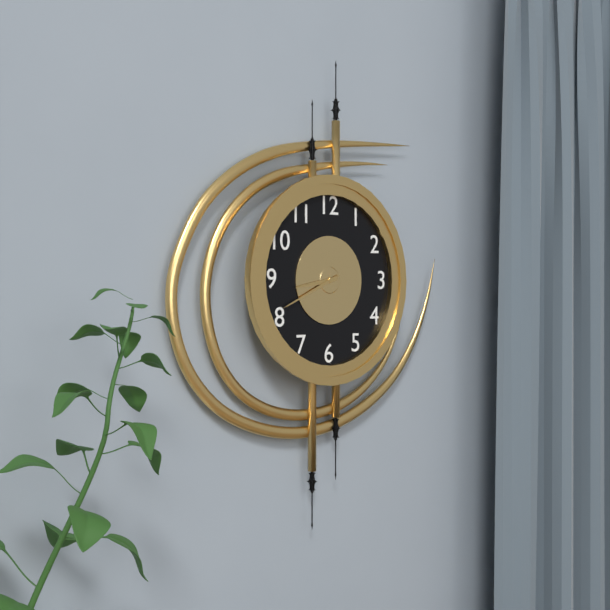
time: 8:41
